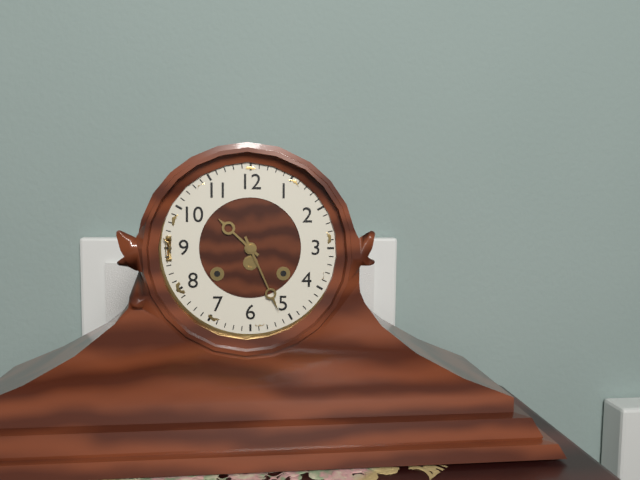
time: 10:26
